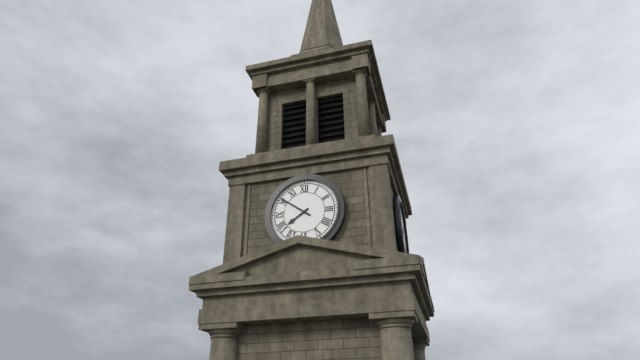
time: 7:51
